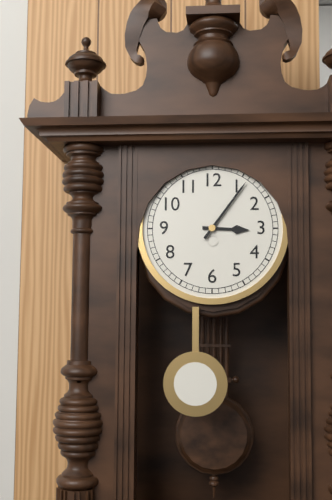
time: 3:06
